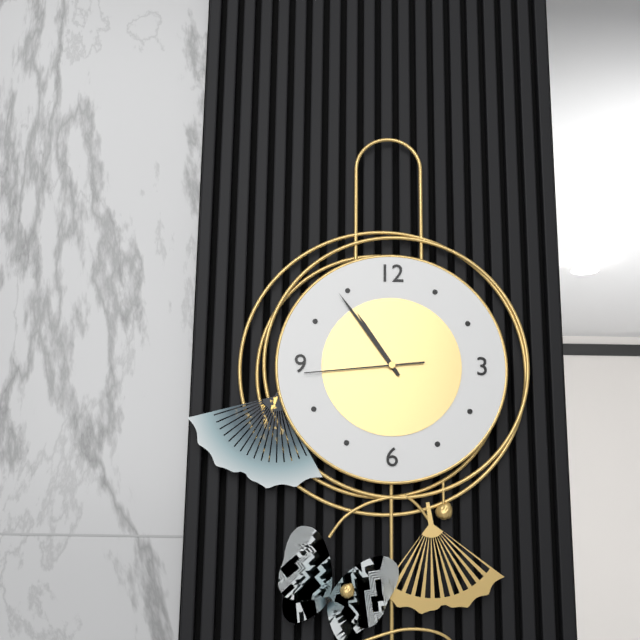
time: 10:54:44
